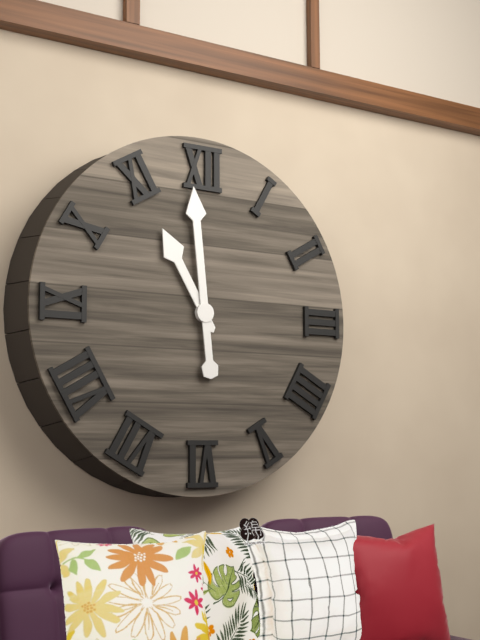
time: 10:59
